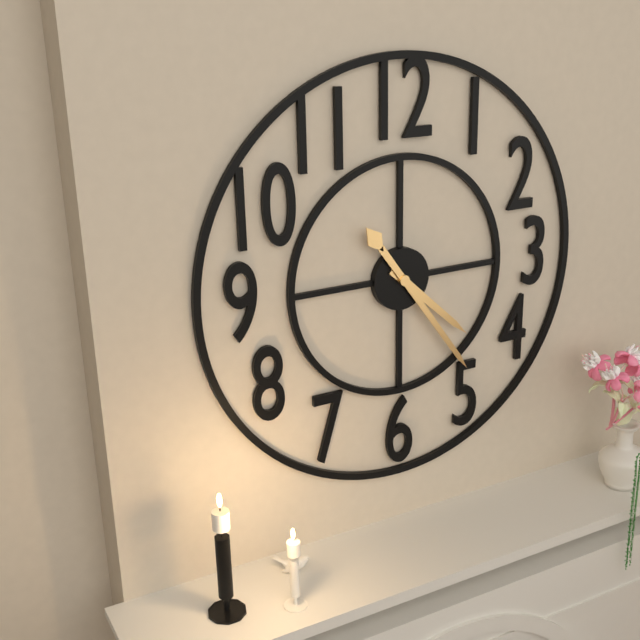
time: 4:24
